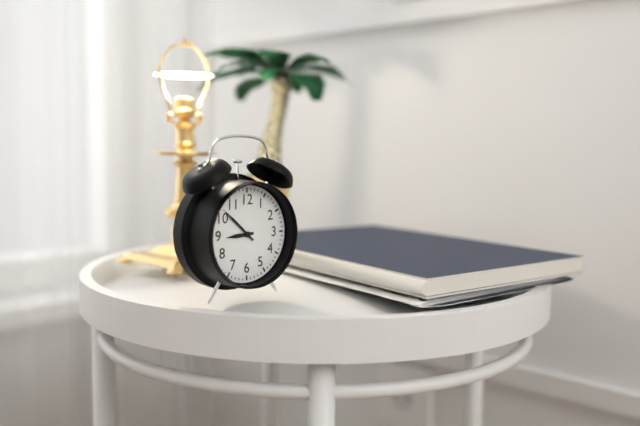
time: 8:52
